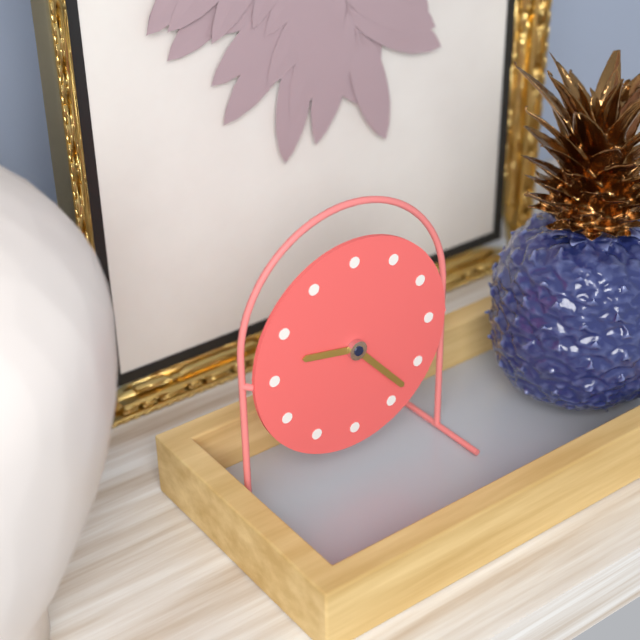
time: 9:23
